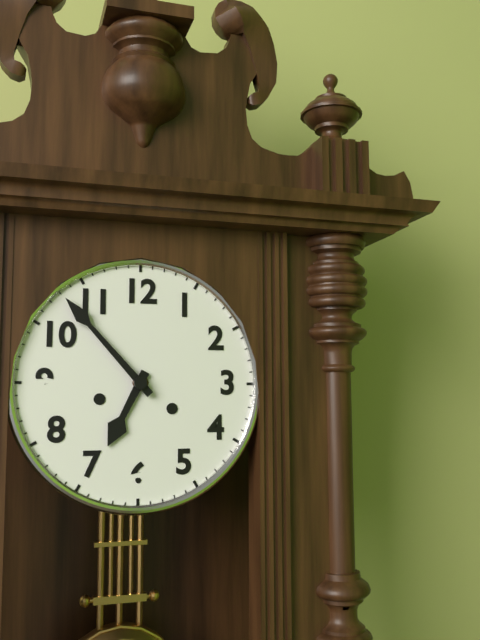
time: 6:53
